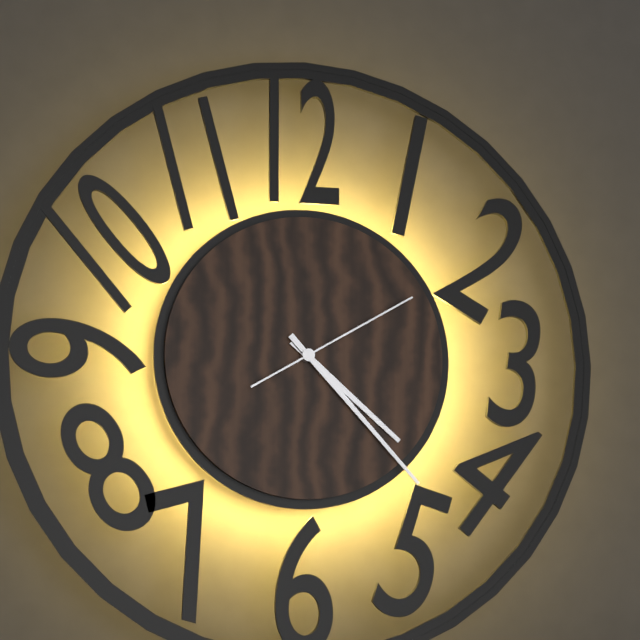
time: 4:23:10
